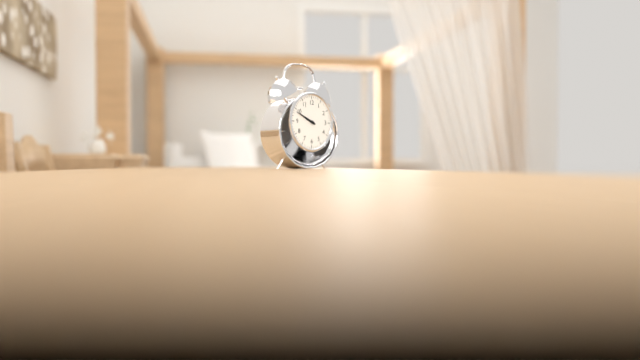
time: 9:49
